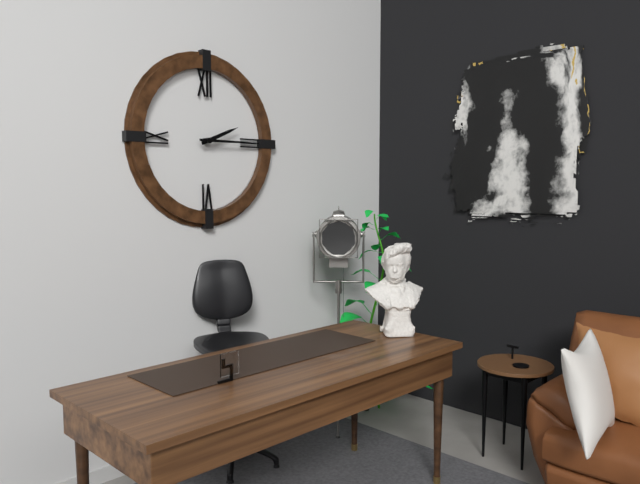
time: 2:15
